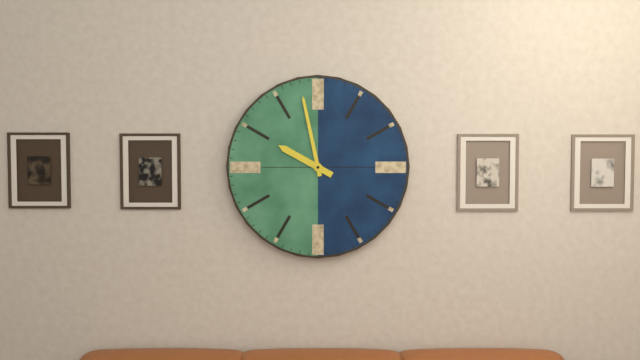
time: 9:58
